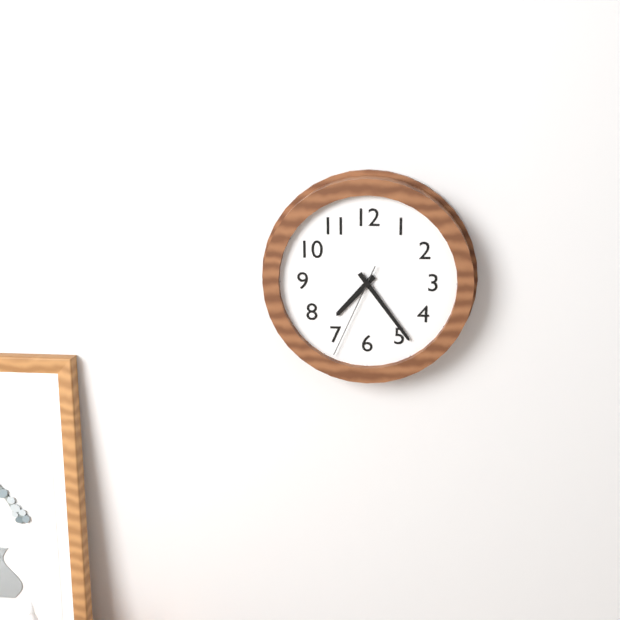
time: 7:24:34
